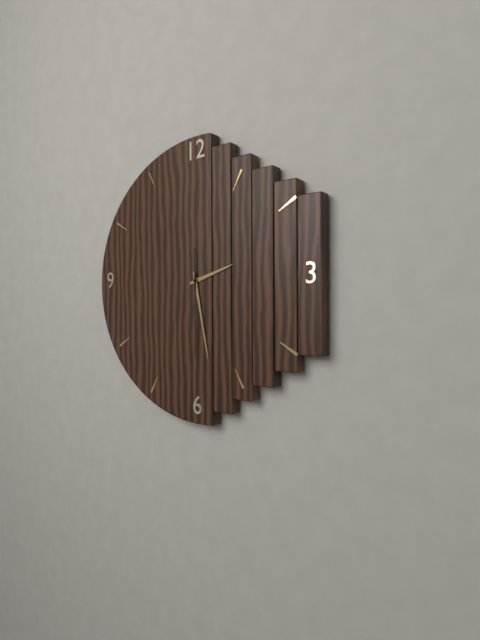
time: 2:28:30
